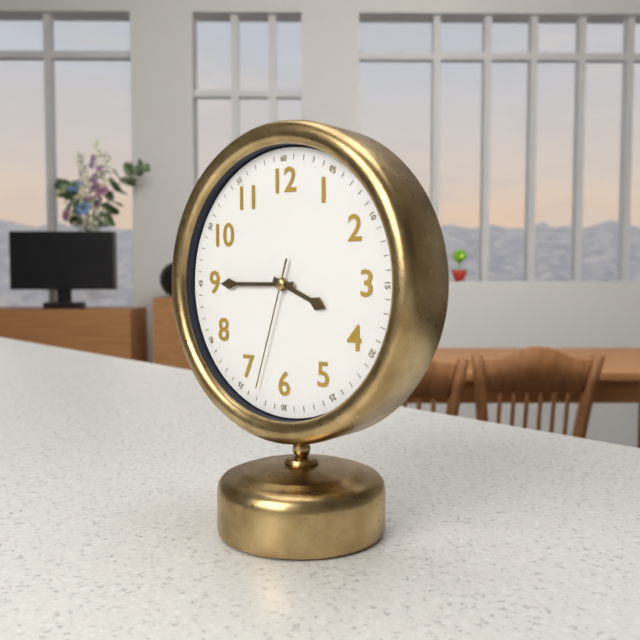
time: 3:45:33
